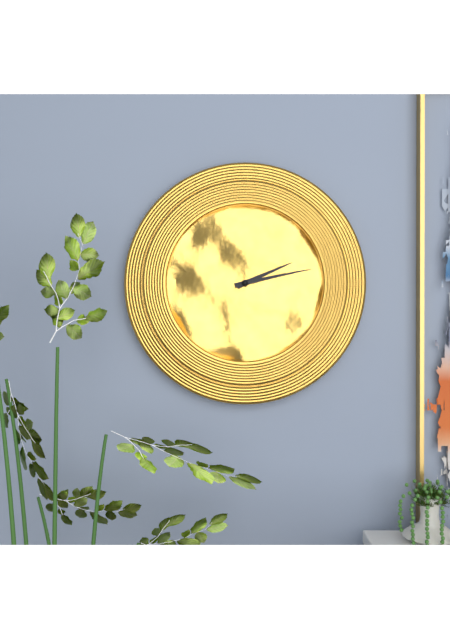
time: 2:13
